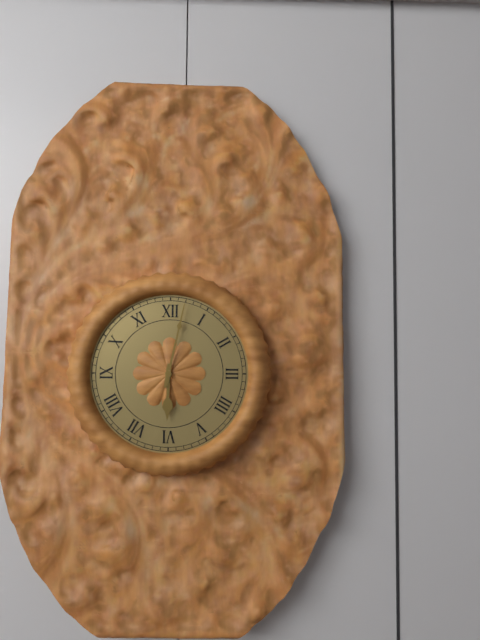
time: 6:02
